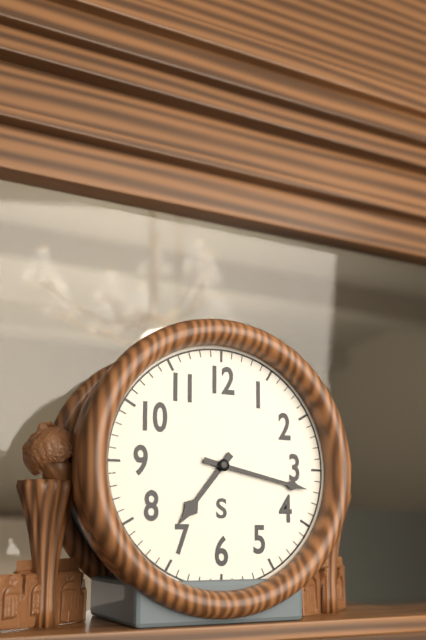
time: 7:17
